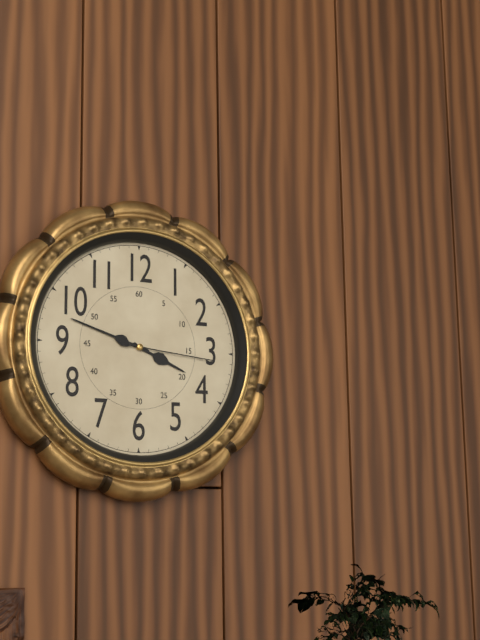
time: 3:48:16
